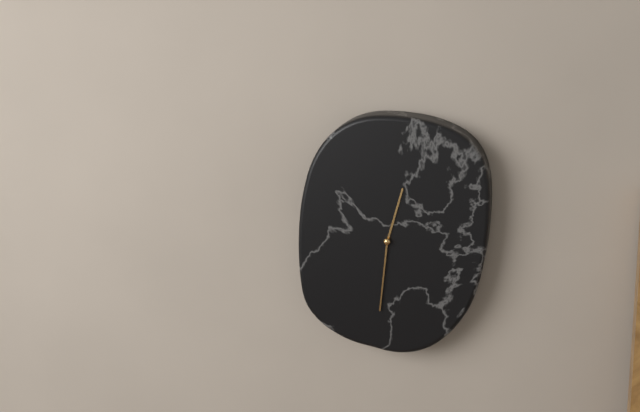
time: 12:31
